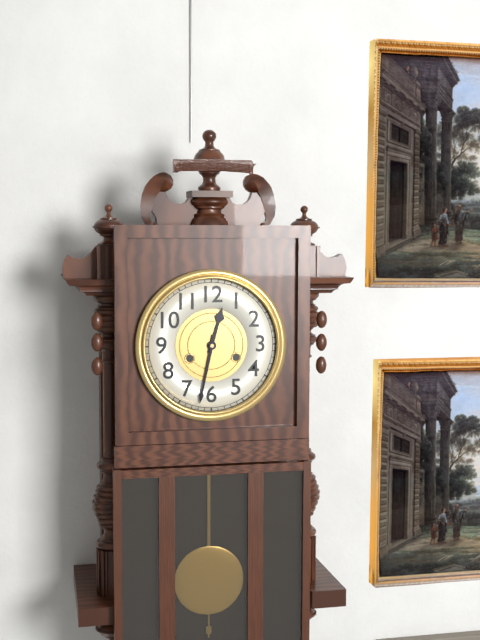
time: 12:32
